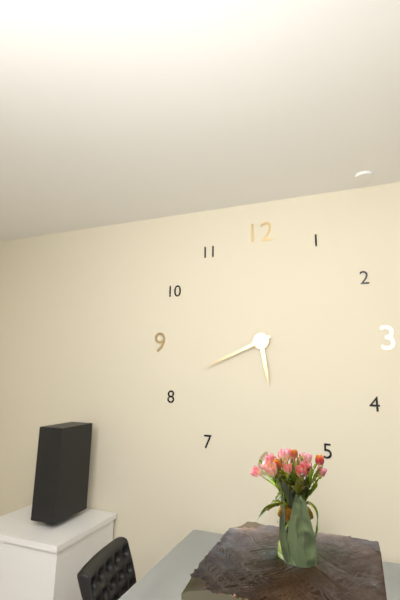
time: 5:41
